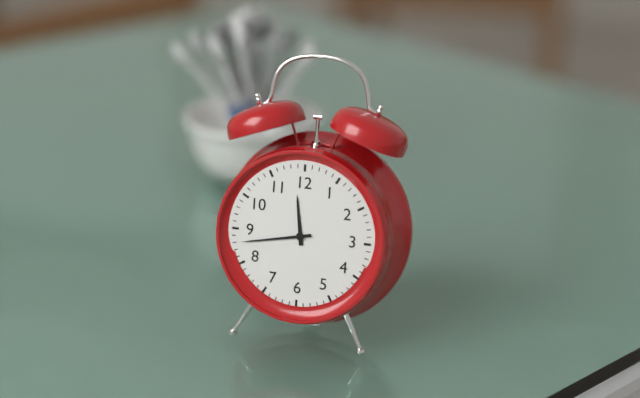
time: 11:43
